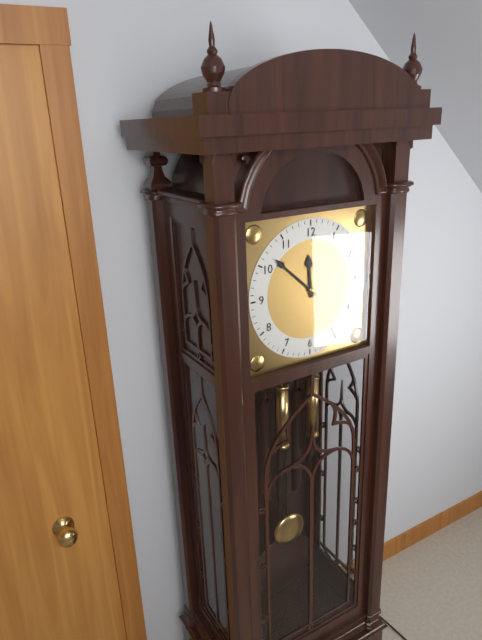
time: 11:52
